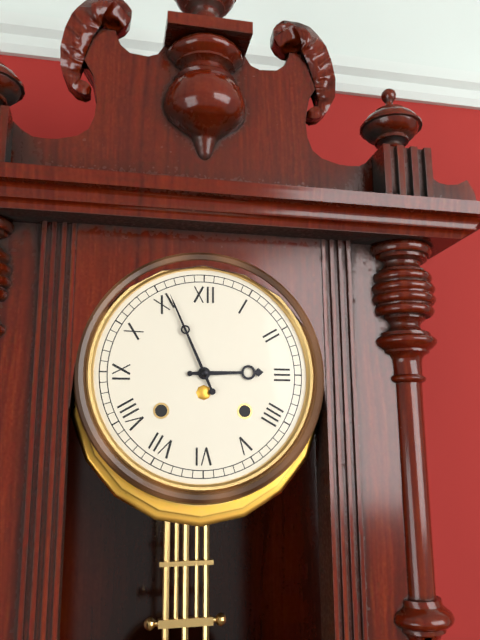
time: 2:56
